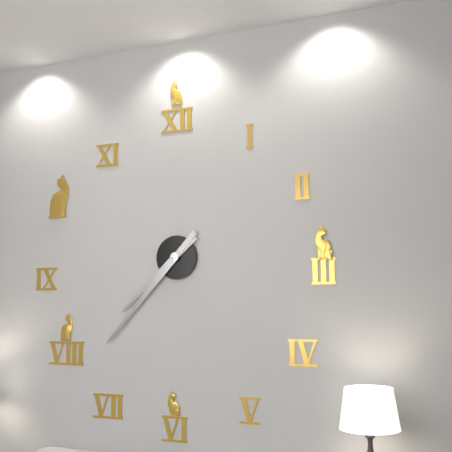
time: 7:37
